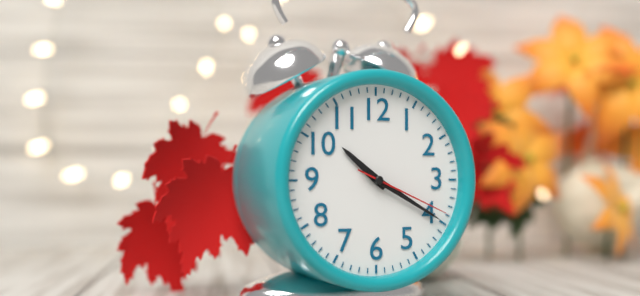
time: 10:20:19
